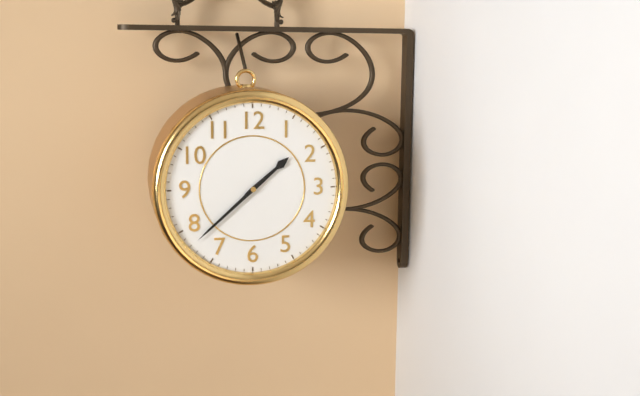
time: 1:38
